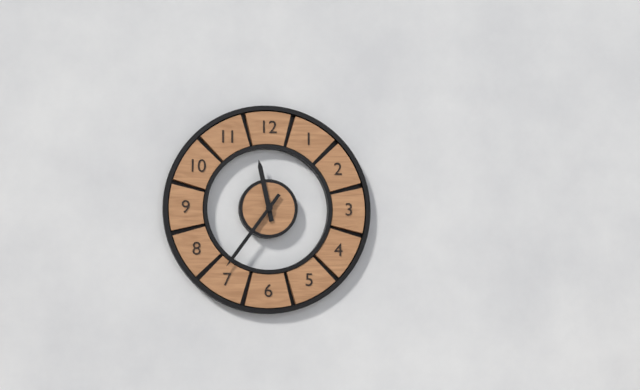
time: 11:36
